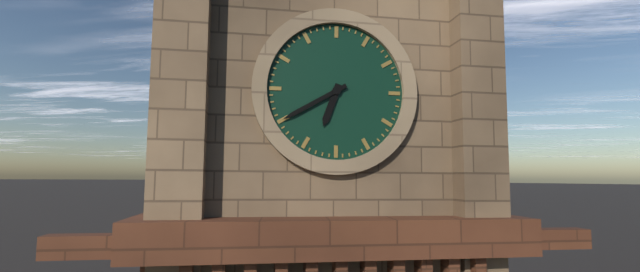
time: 6:40
